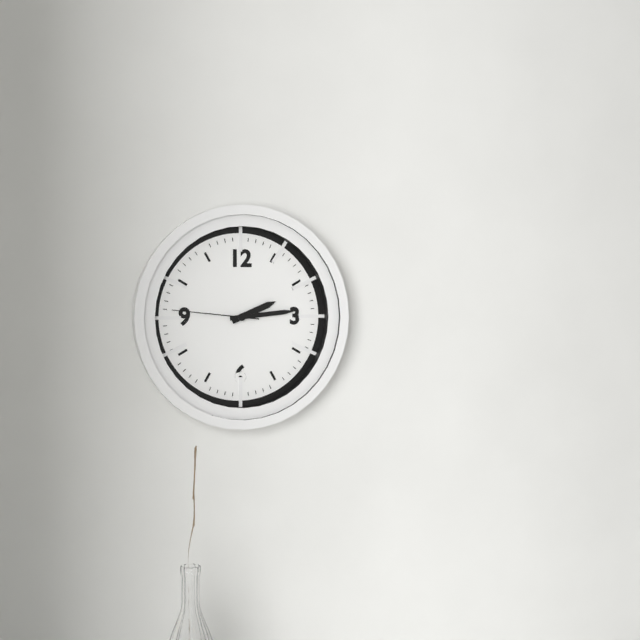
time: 2:14:46
